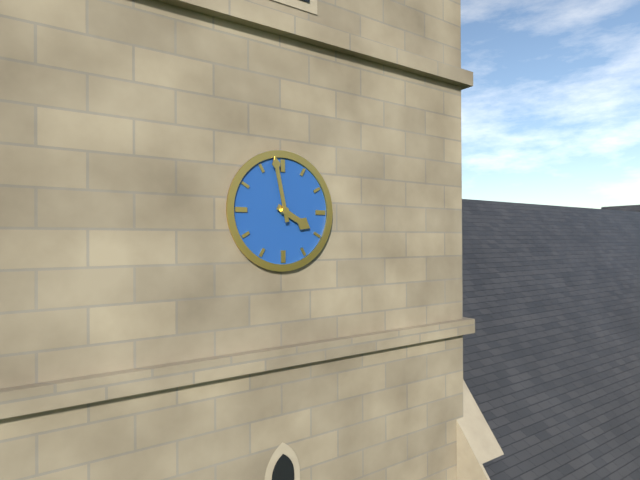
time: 3:58
